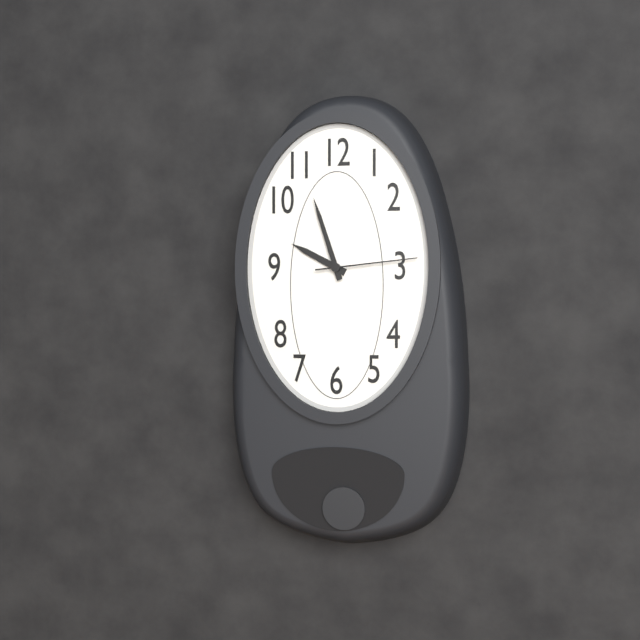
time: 9:57:14
